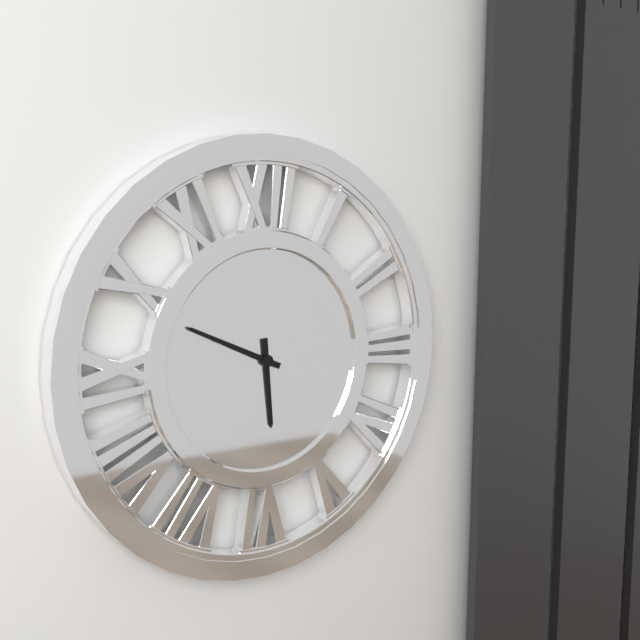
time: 5:49
